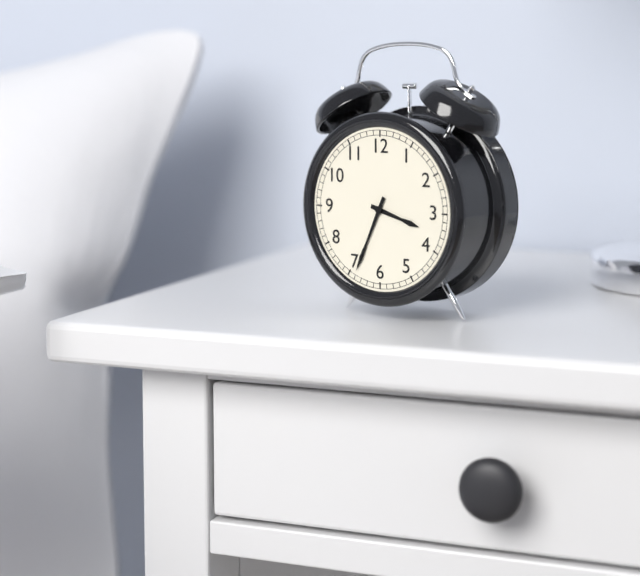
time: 3:34
